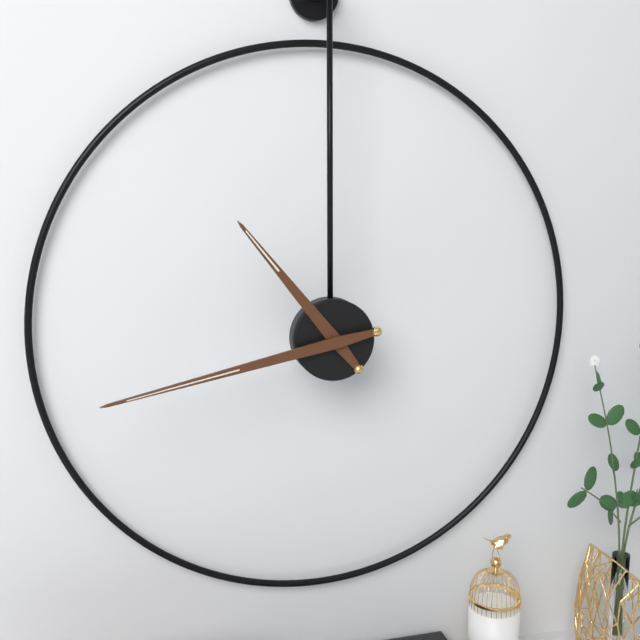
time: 10:43
